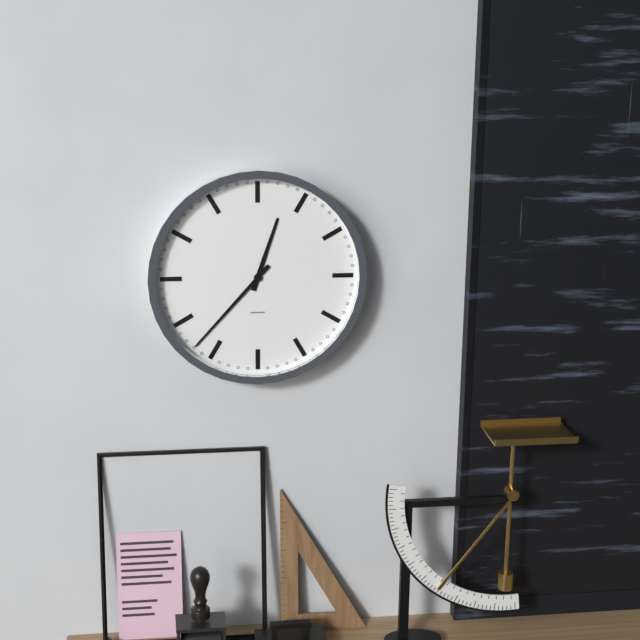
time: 12:37
